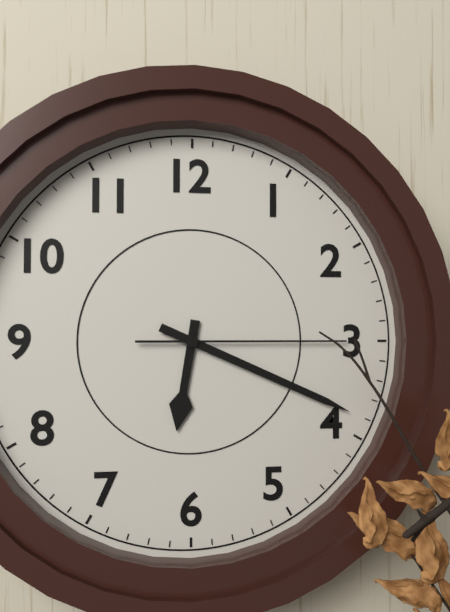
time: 6:19:15
